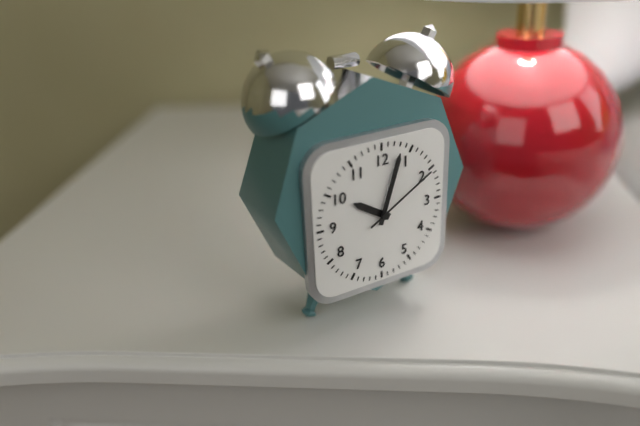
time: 10:03:10
